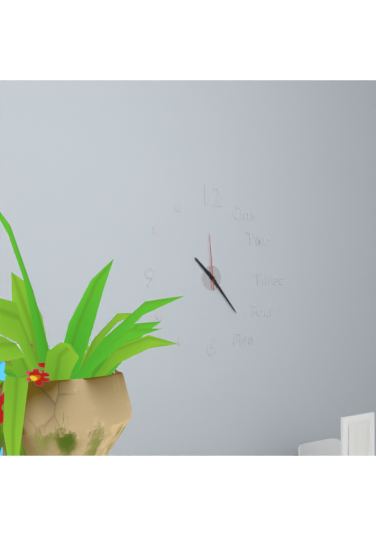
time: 10:23:59
